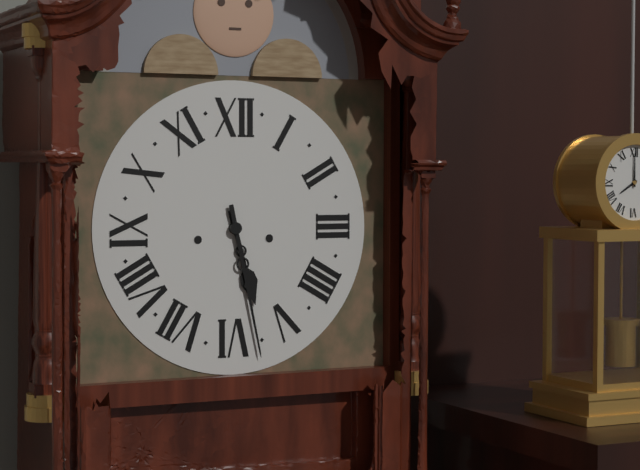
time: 5:28
